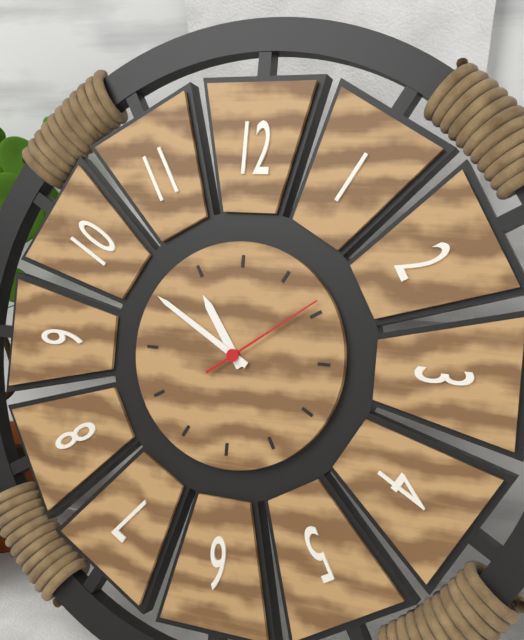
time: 10:50:09
